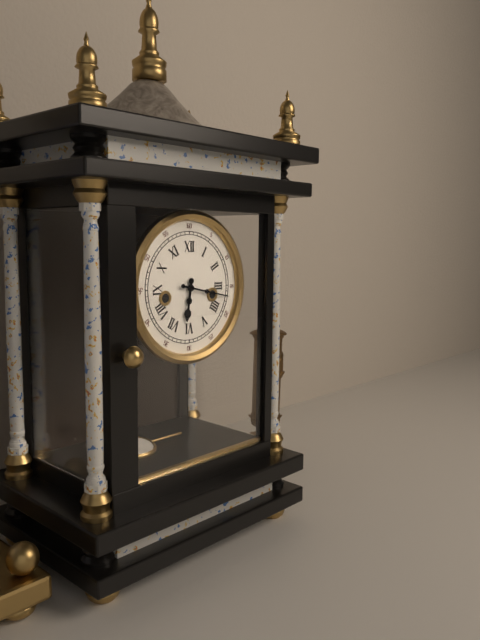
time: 6:17
